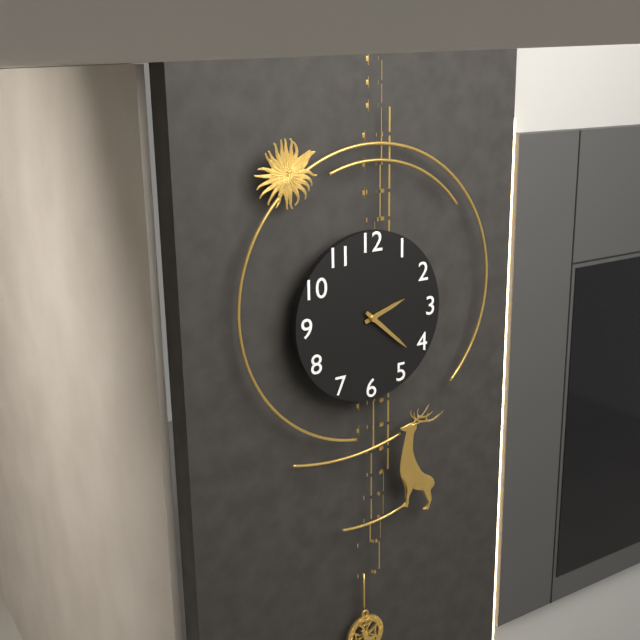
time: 2:22
